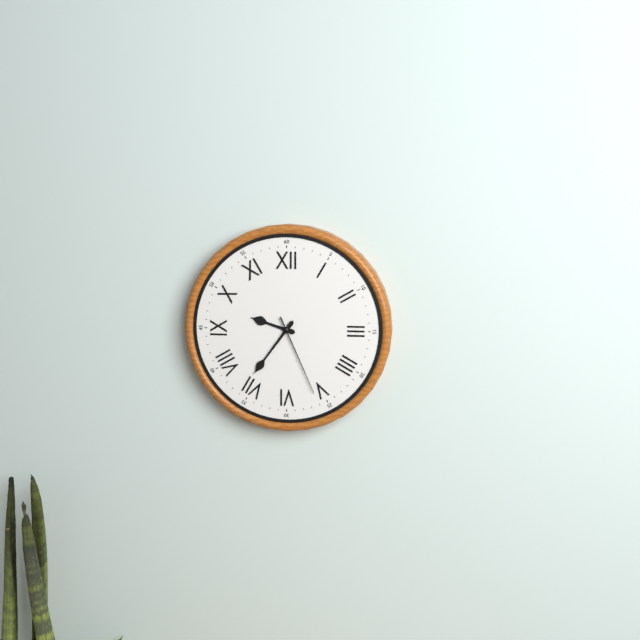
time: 9:36:26
